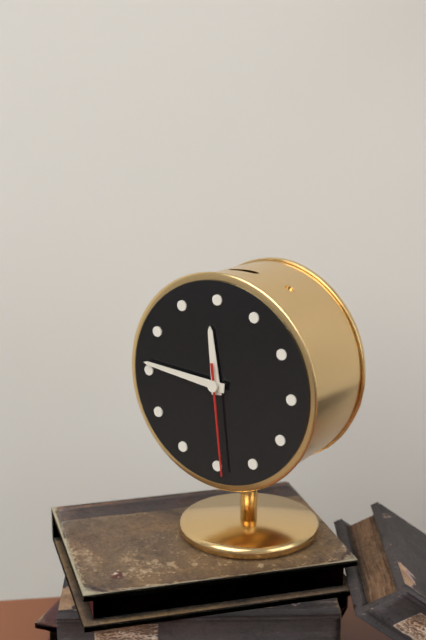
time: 11:46:29
